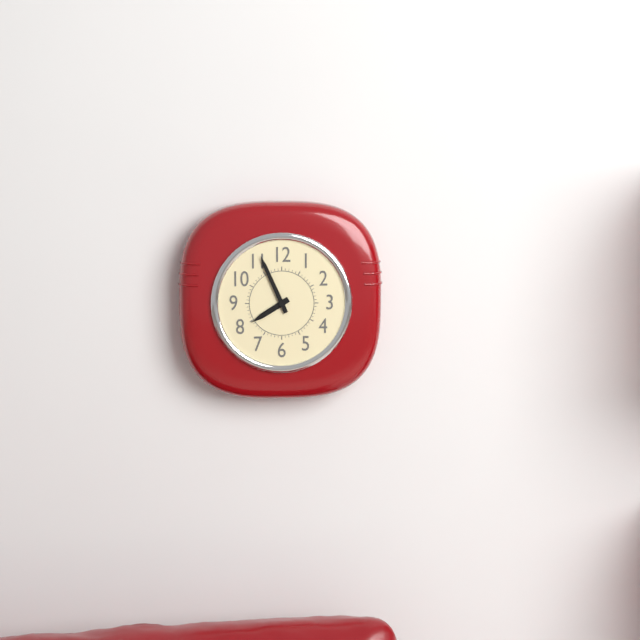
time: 7:56
